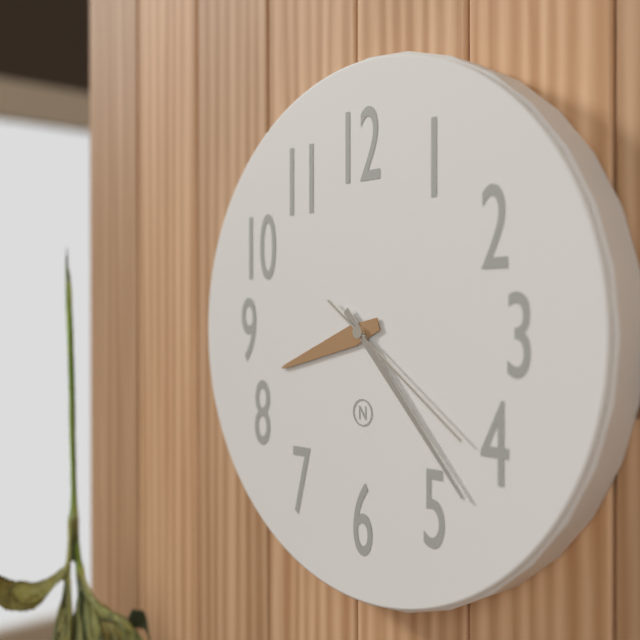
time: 8:23:21
